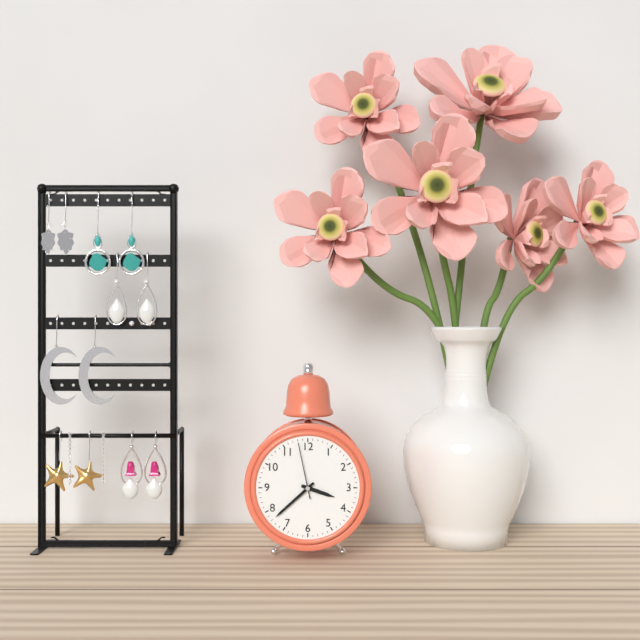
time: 3:38:58
